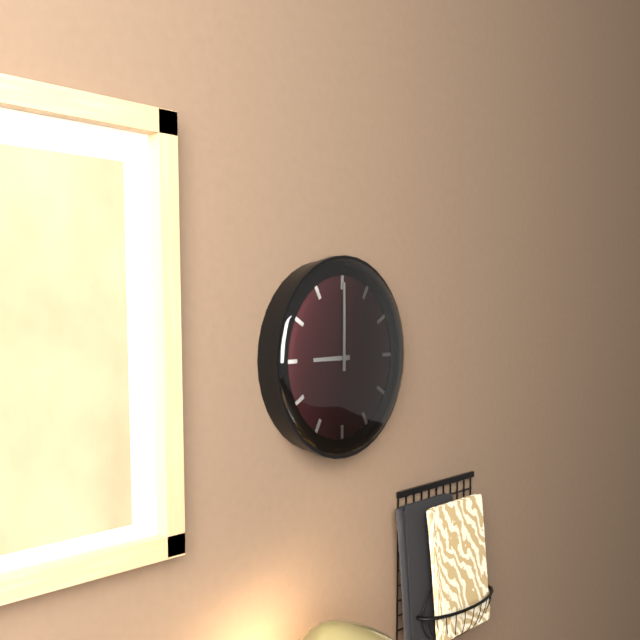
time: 9:00
